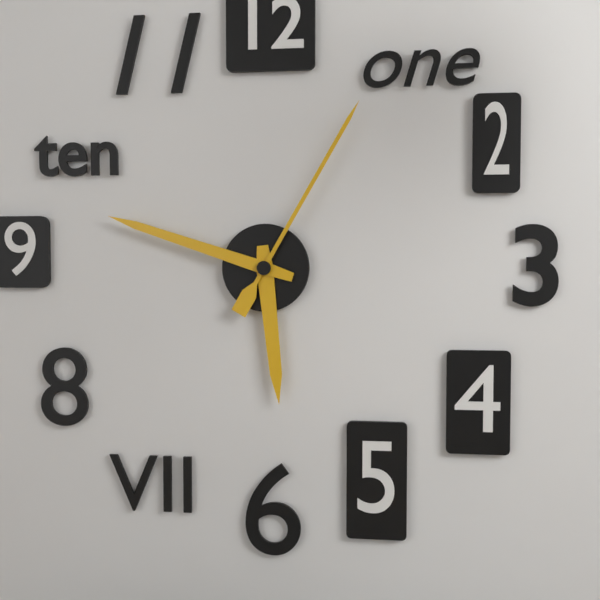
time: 5:48:05
